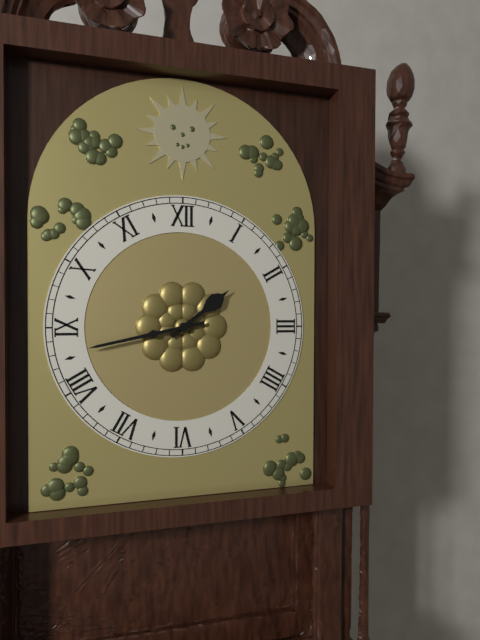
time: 1:43
